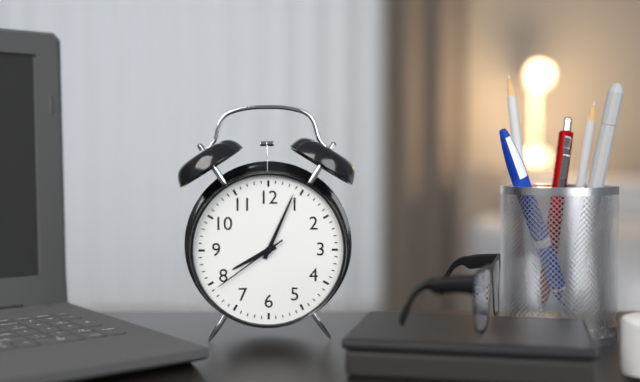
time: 8:04:39
